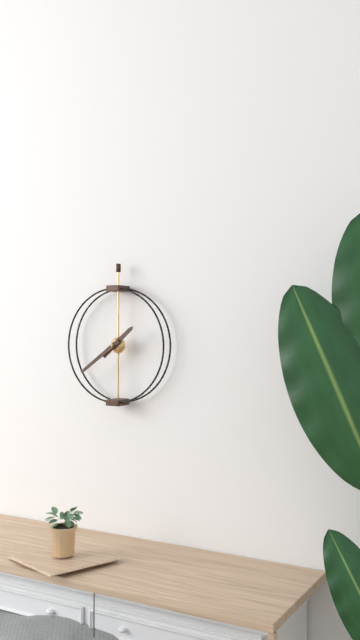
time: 1:39
